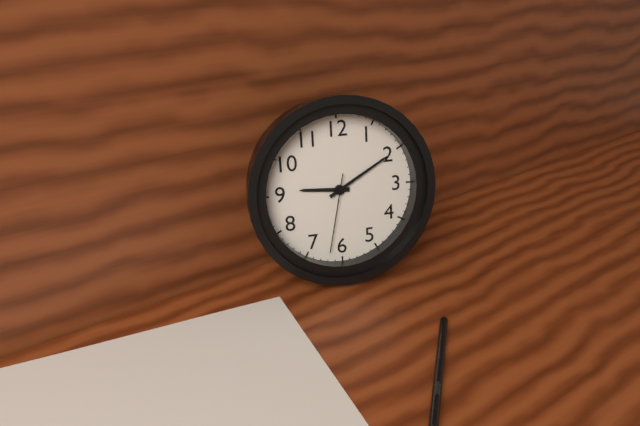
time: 9:10:32
